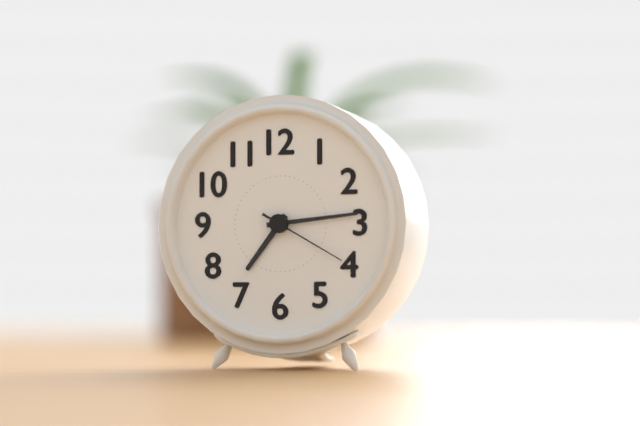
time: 7:14:20
